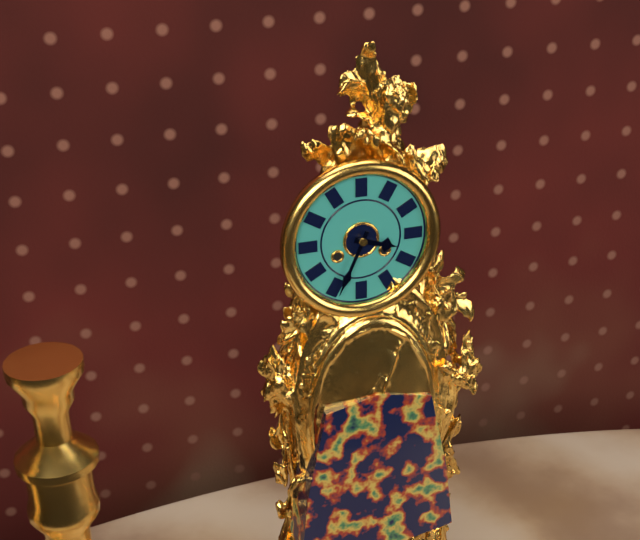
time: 3:34
